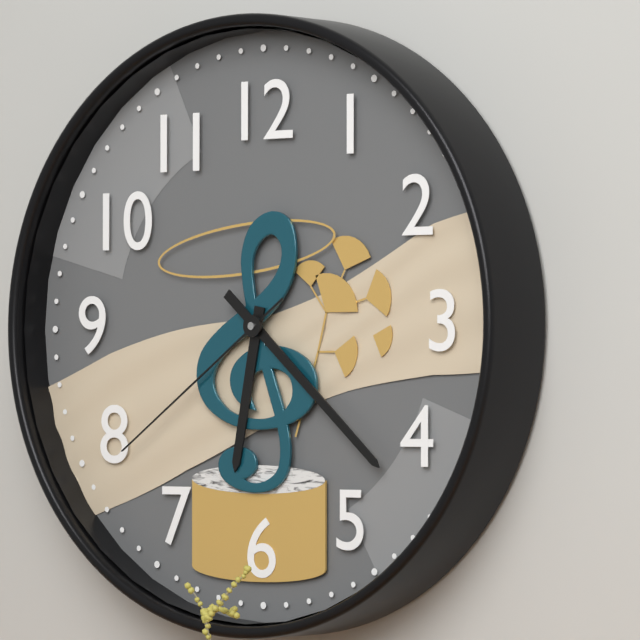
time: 6:22:39
